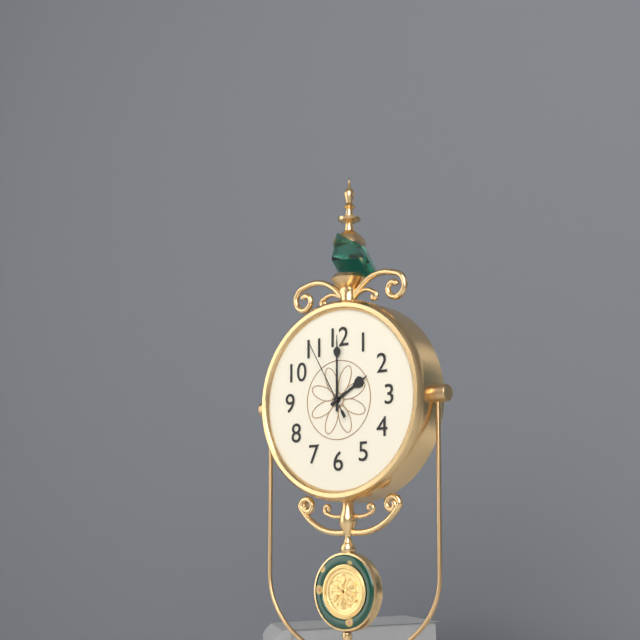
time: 2:00:55
